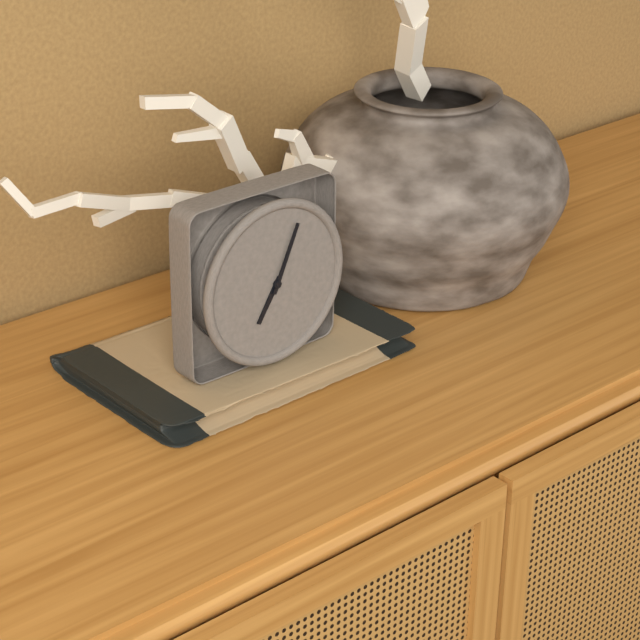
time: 7:04
